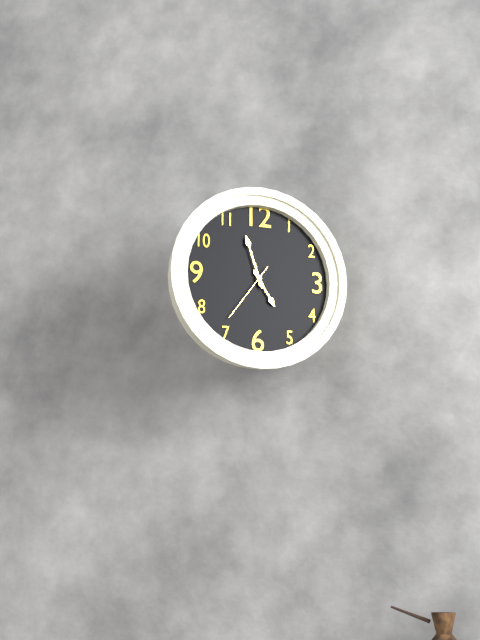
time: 4:57:36
